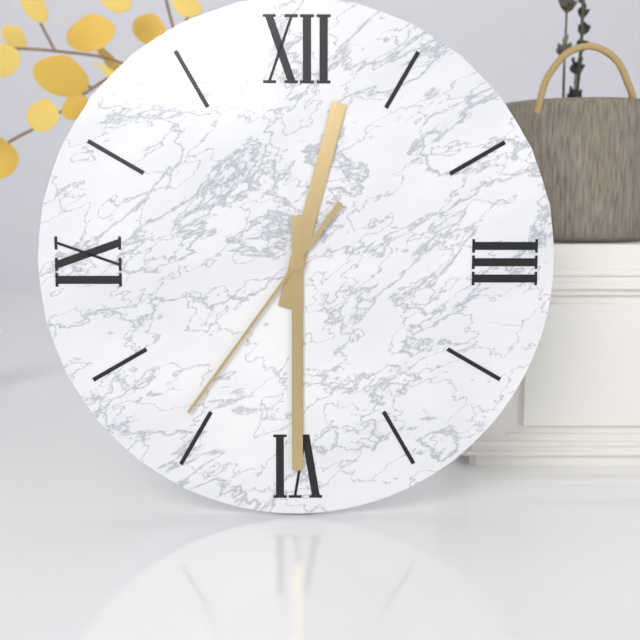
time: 12:30:36
